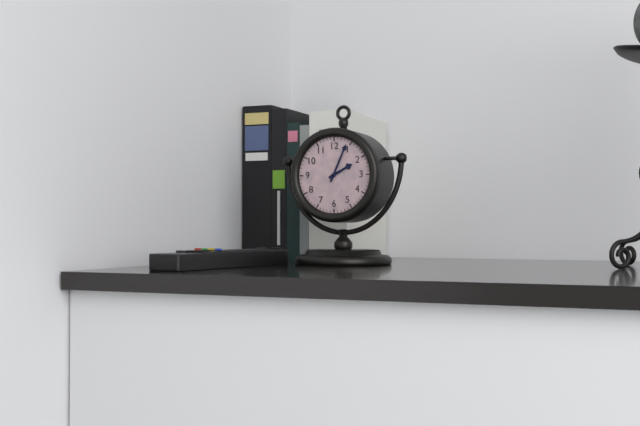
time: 2:04
